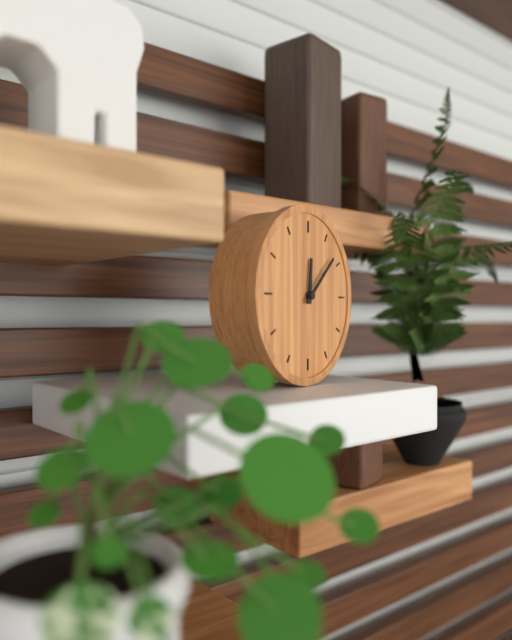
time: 12:08
